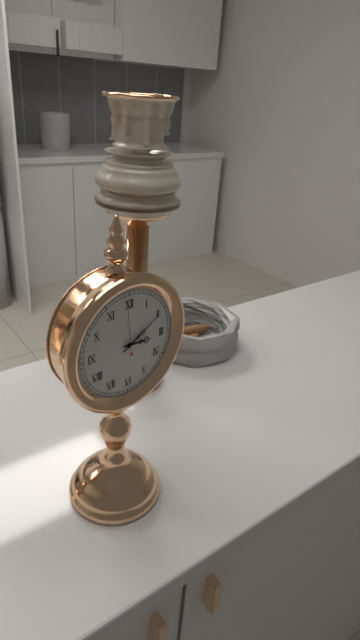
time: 3:10
